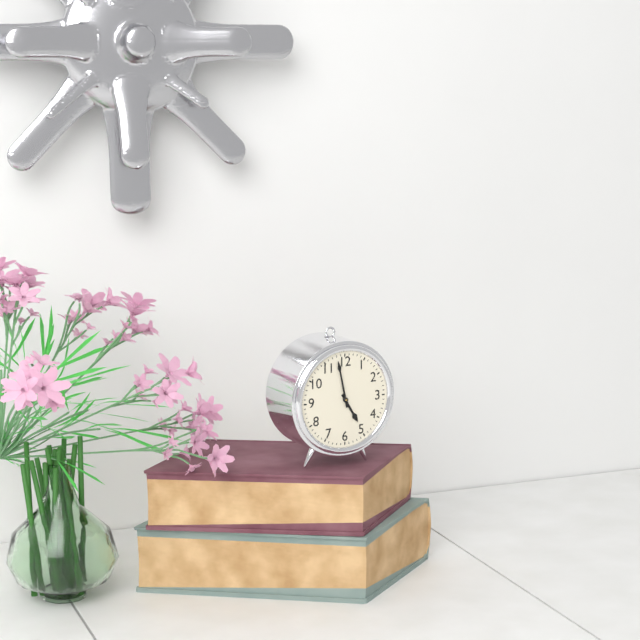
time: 4:58
